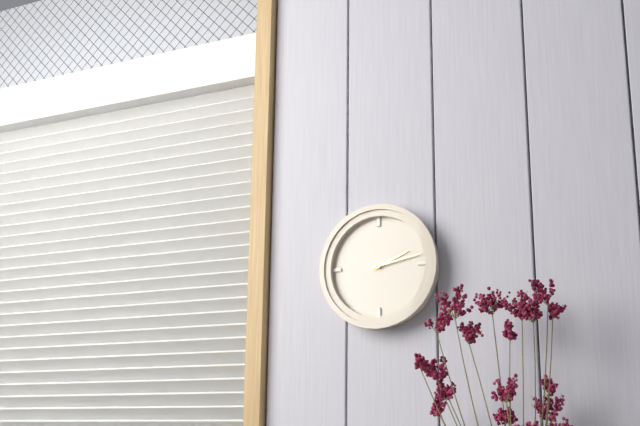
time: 2:13
